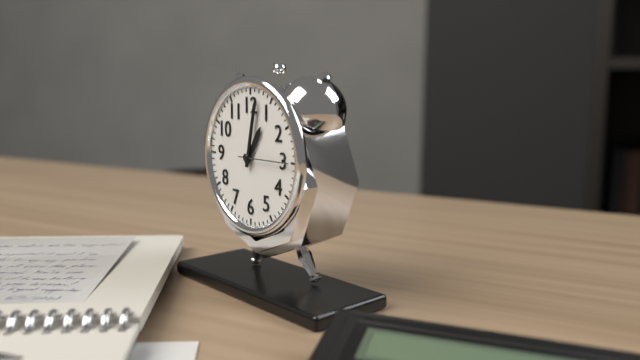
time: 1:02
